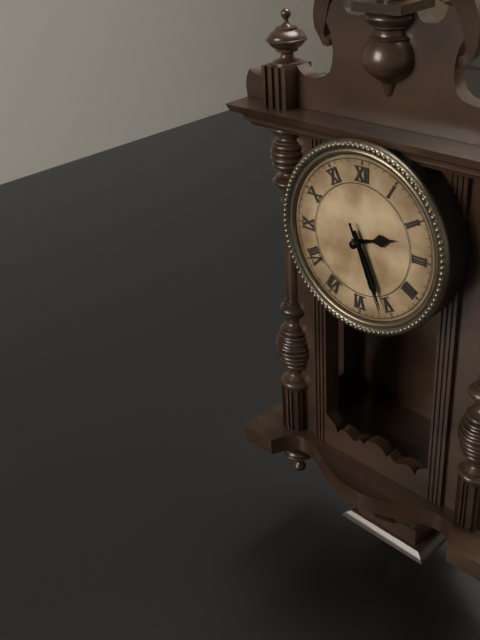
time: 2:26:26
